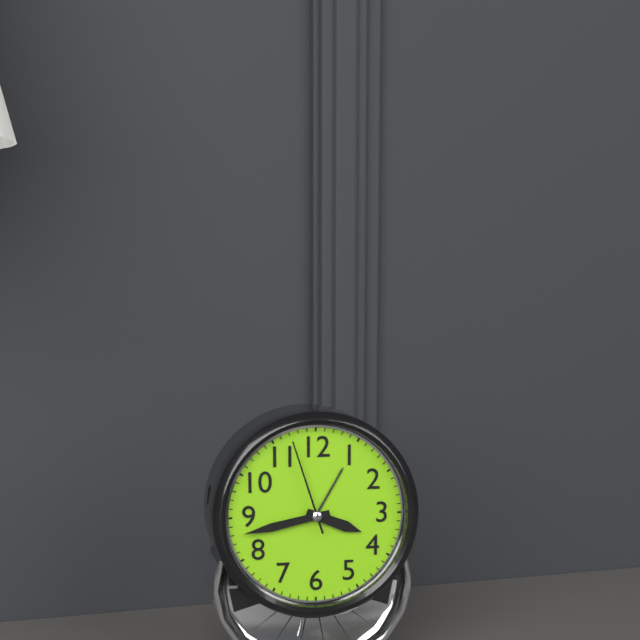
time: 3:43:57
